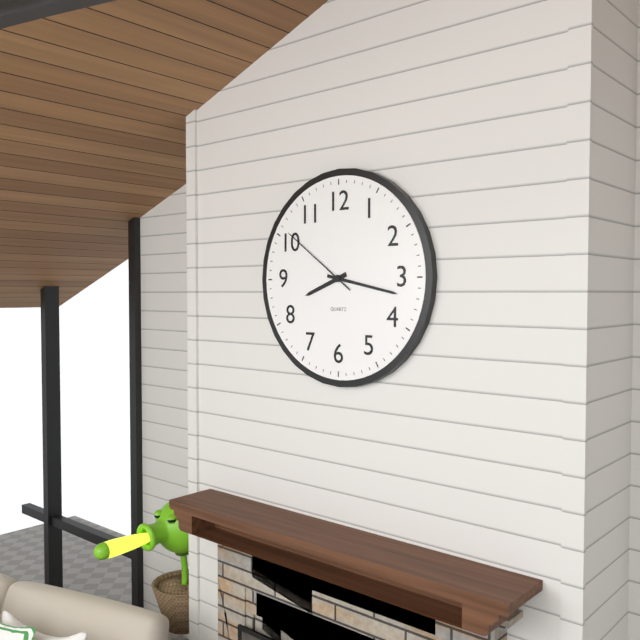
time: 8:17:51
